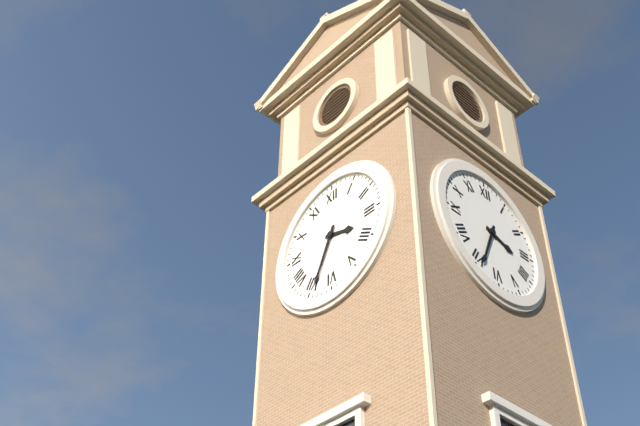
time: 3:34
